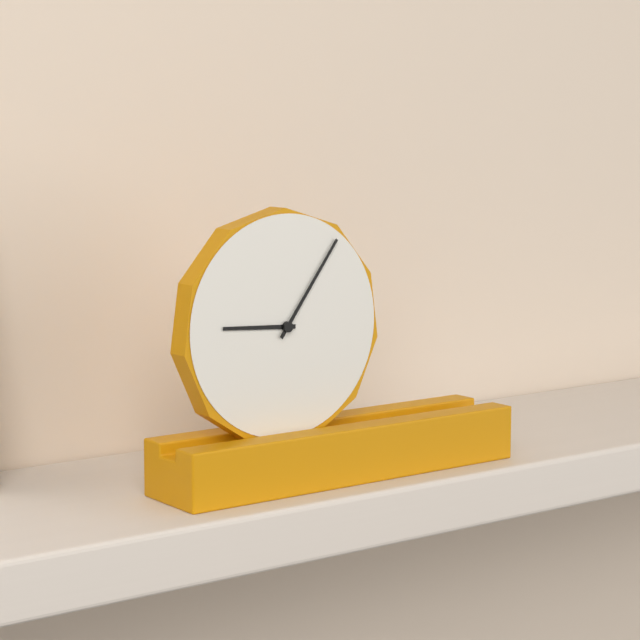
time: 9:06
